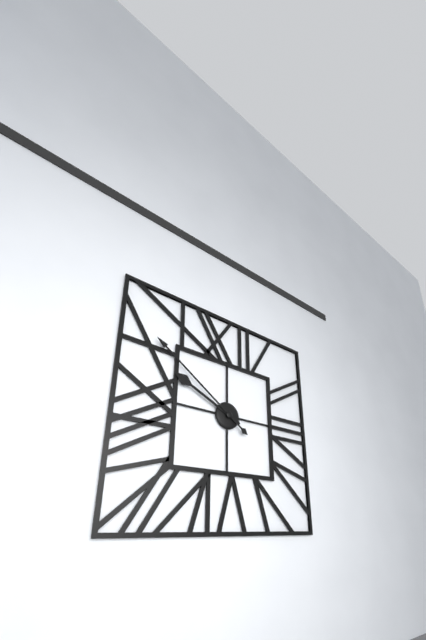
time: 9:51
